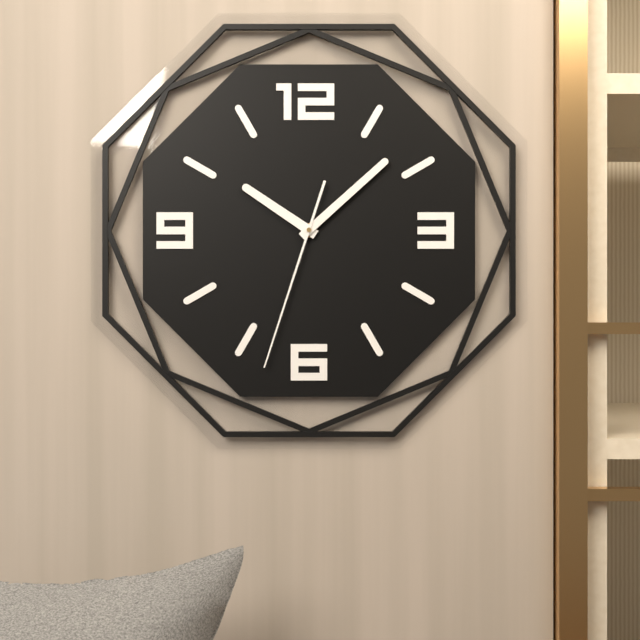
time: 10:08:33
